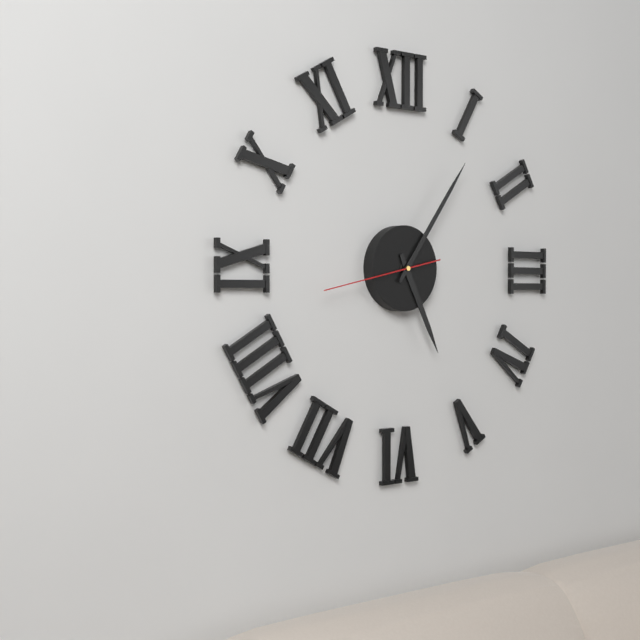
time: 5:06:43
